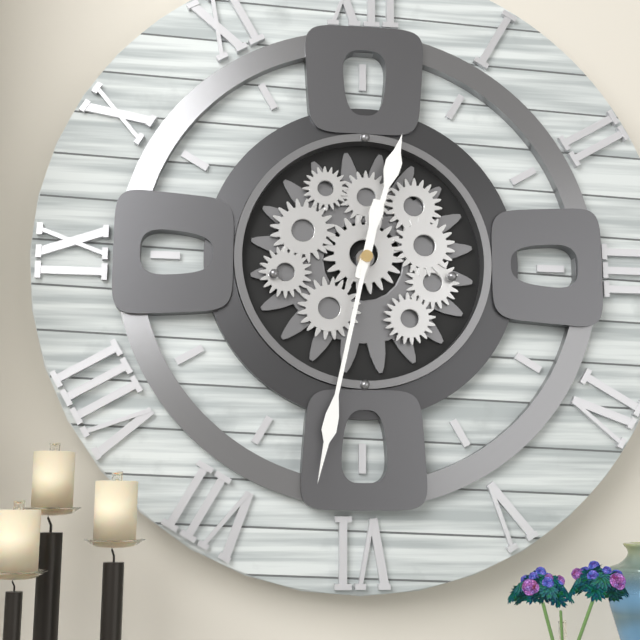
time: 12:32
